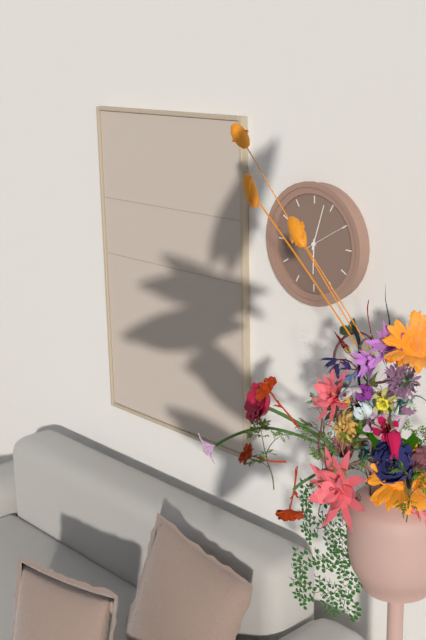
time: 6:03
